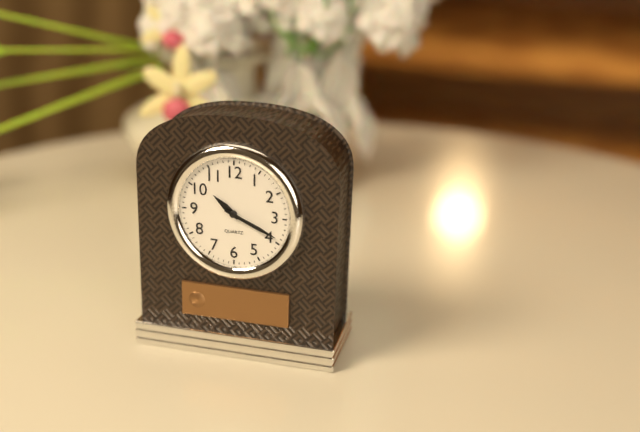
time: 10:19
